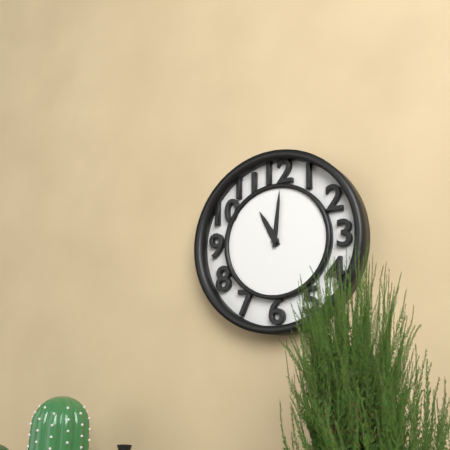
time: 11:01
